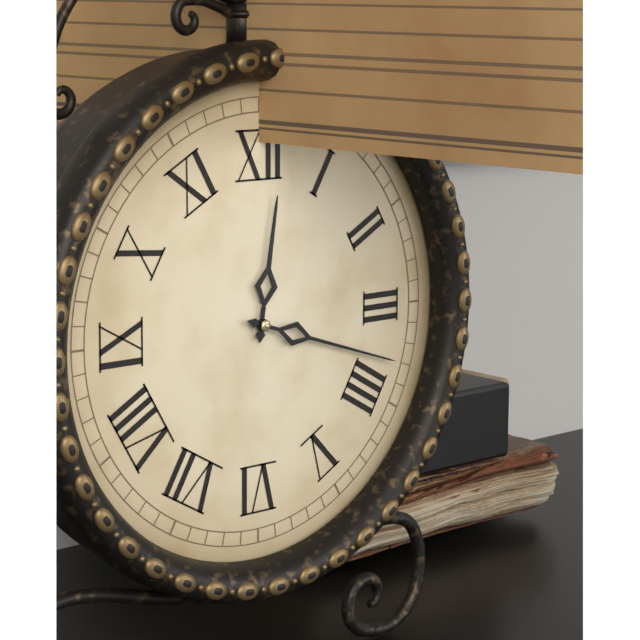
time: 12:18
